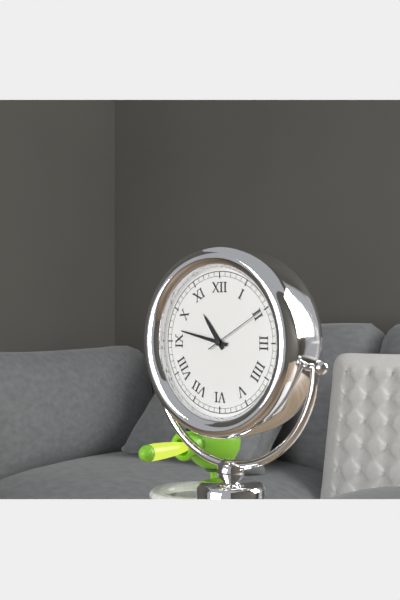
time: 10:47:10
